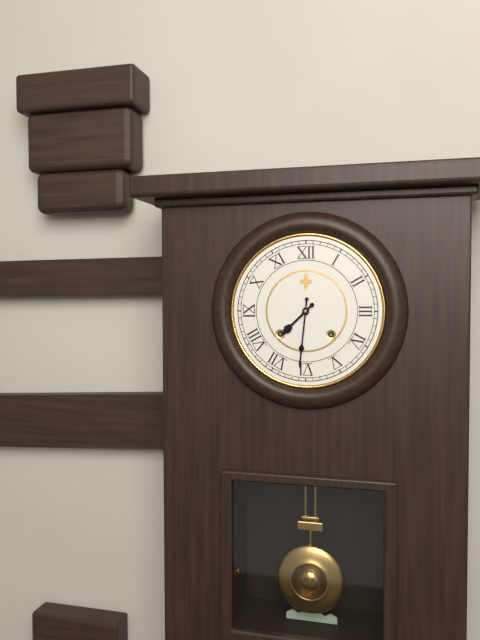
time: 7:31
